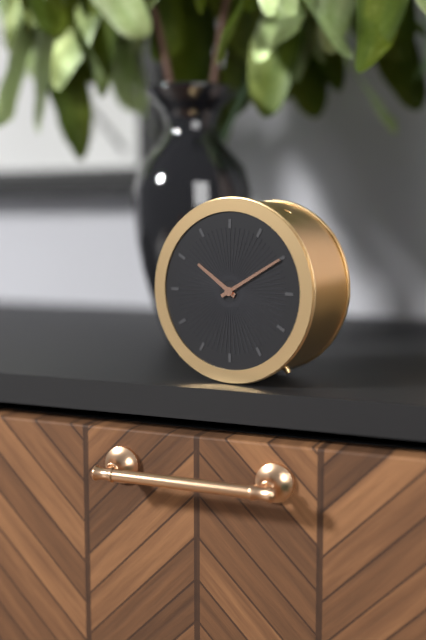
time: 10:10
